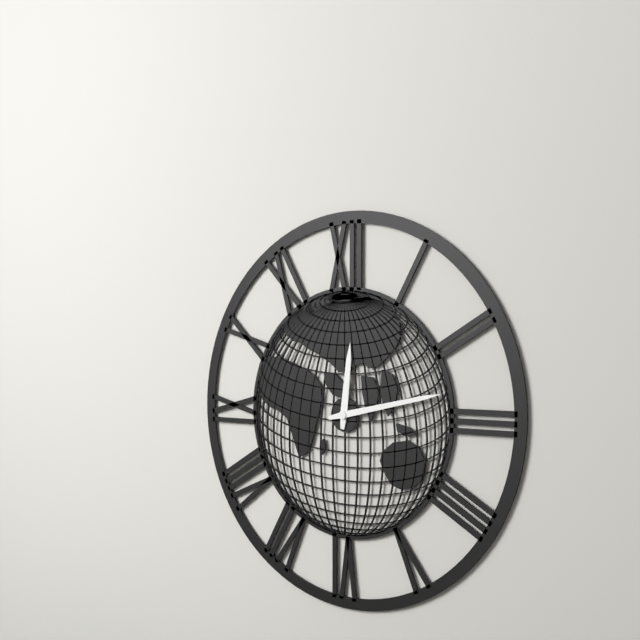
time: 12:13
